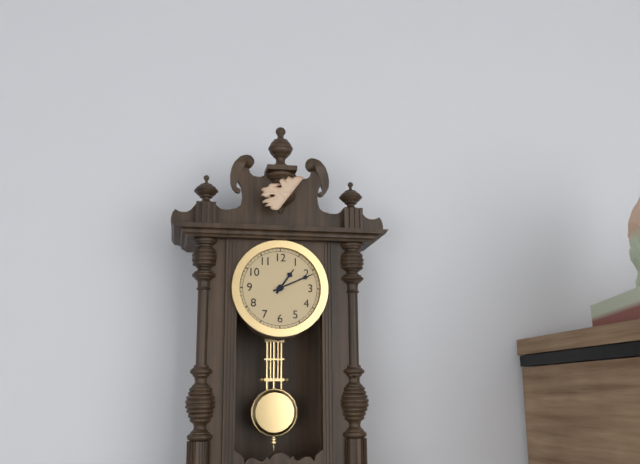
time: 1:11
